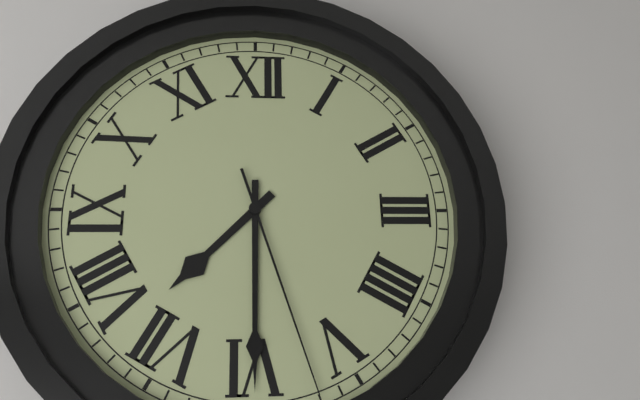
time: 7:30:27
